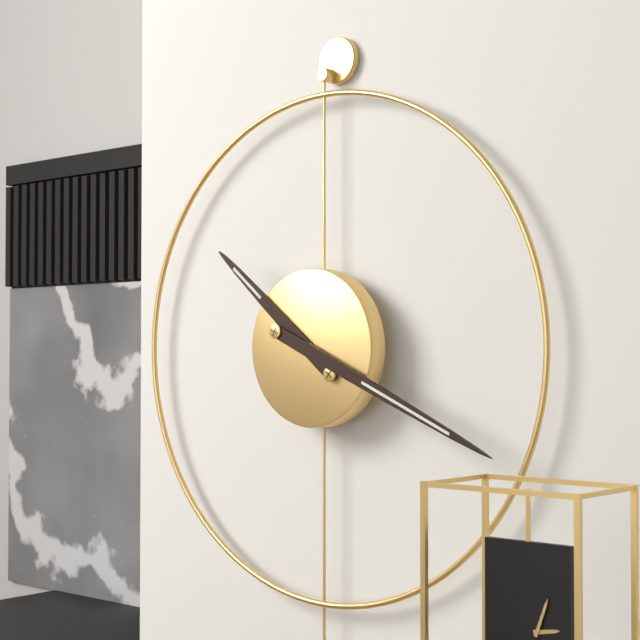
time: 10:19
